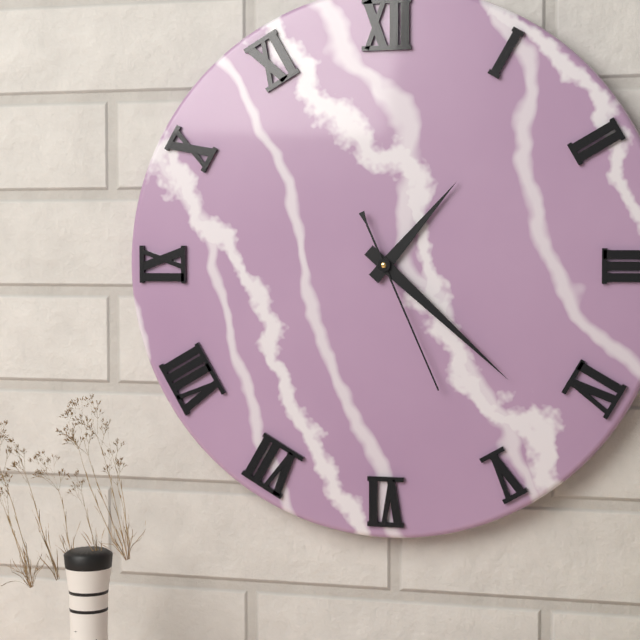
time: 1:22:26
